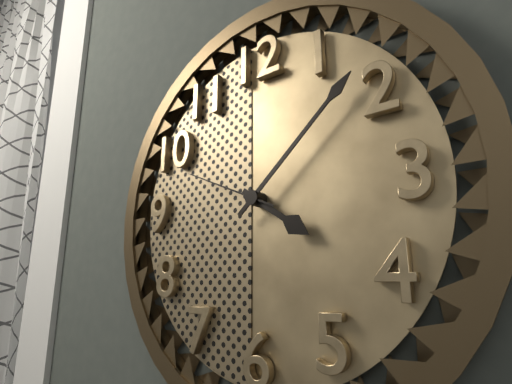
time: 4:08:49
